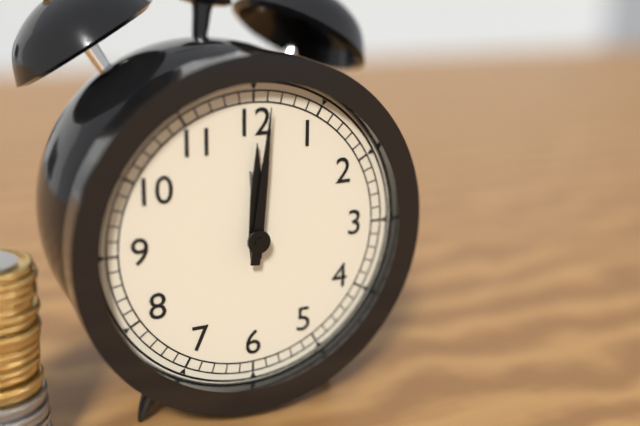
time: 12:01
